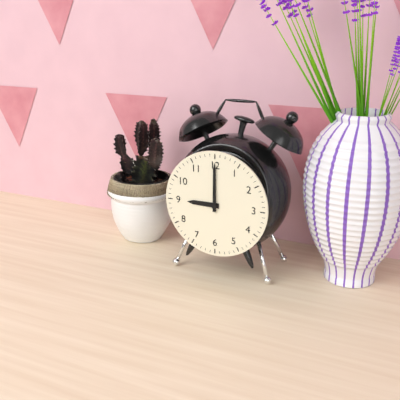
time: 9:00
